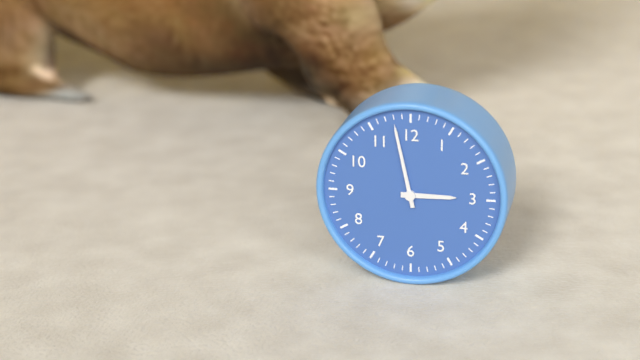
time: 2:58
